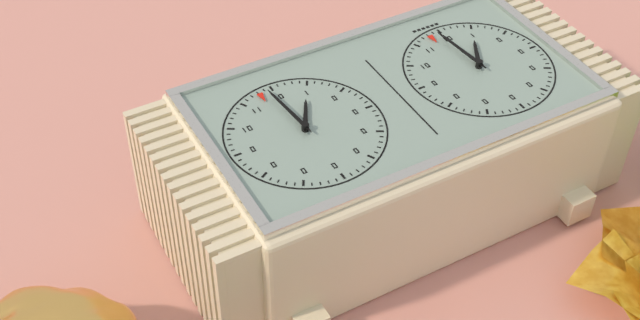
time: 12:59
